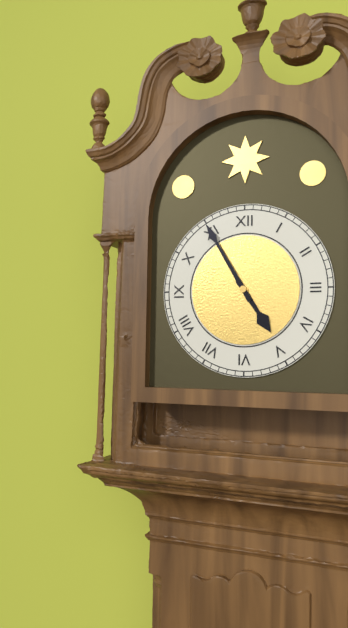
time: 4:55
